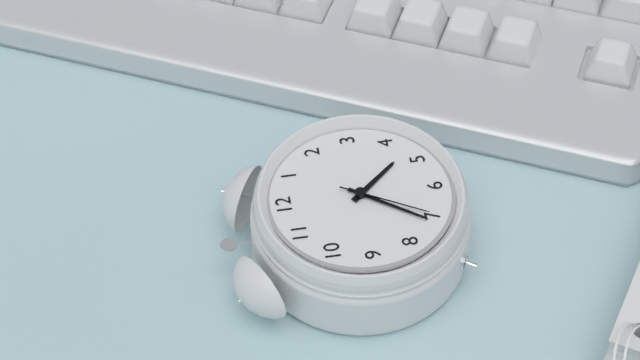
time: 4:36:35
